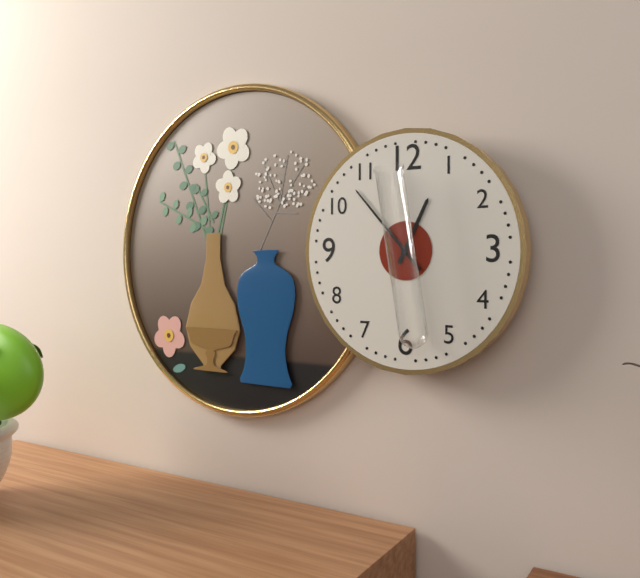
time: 12:53
